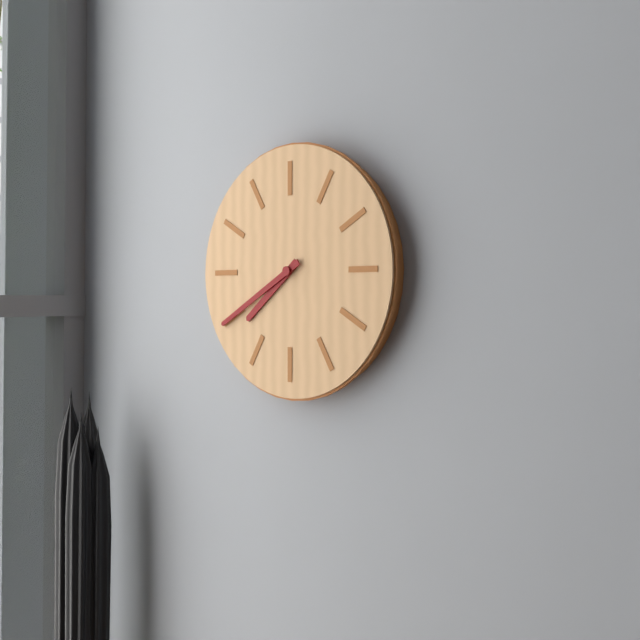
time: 7:40
